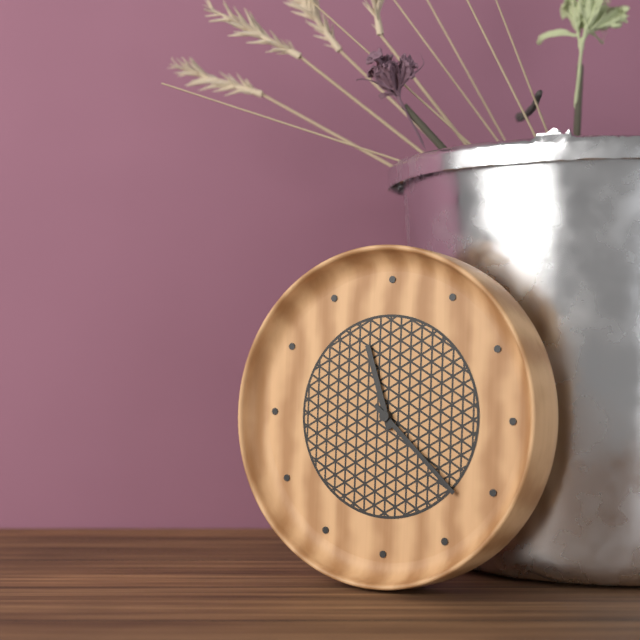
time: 11:22
